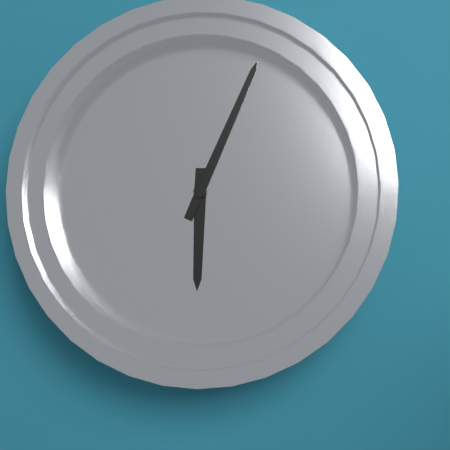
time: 6:04
